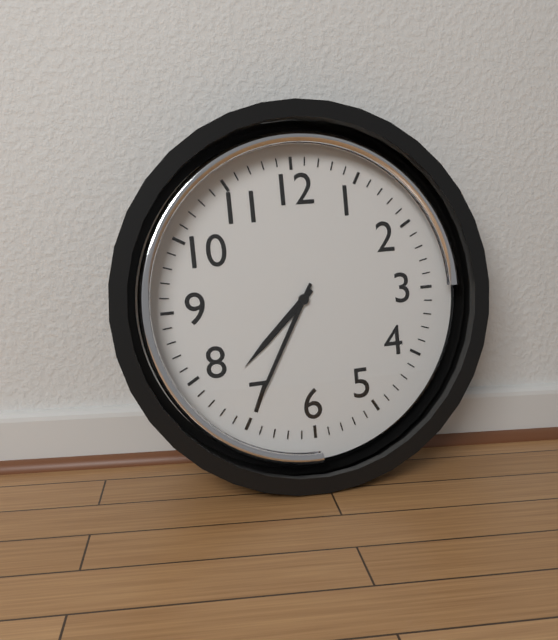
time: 7:35
